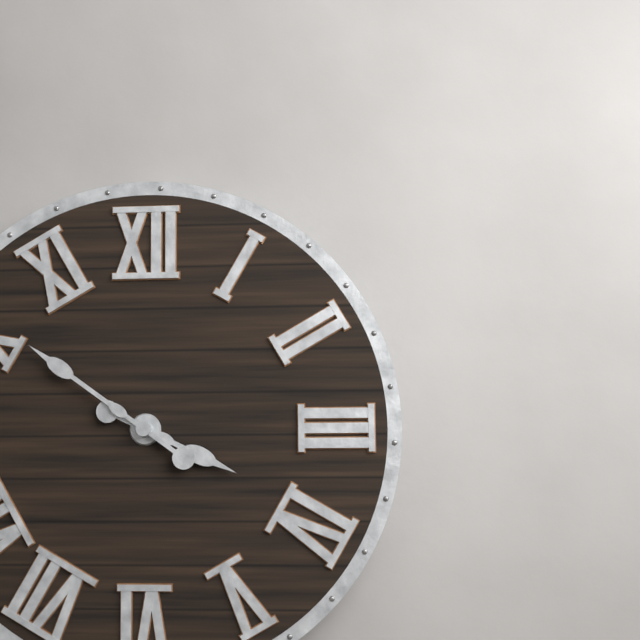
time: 3:51
